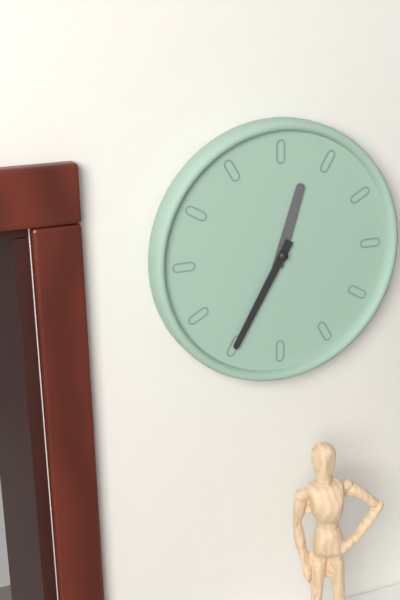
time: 12:35
